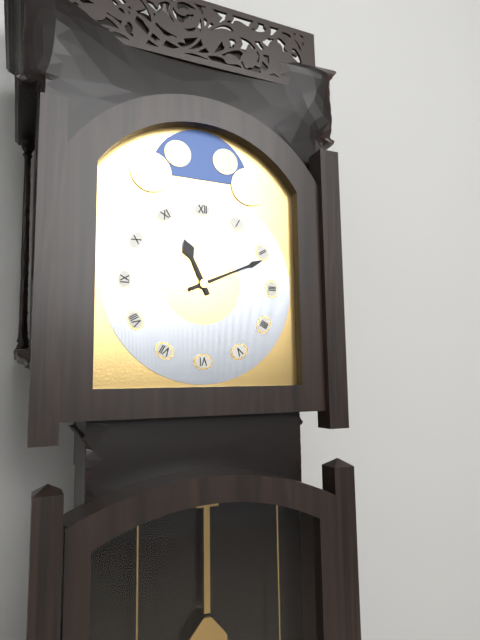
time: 11:11
